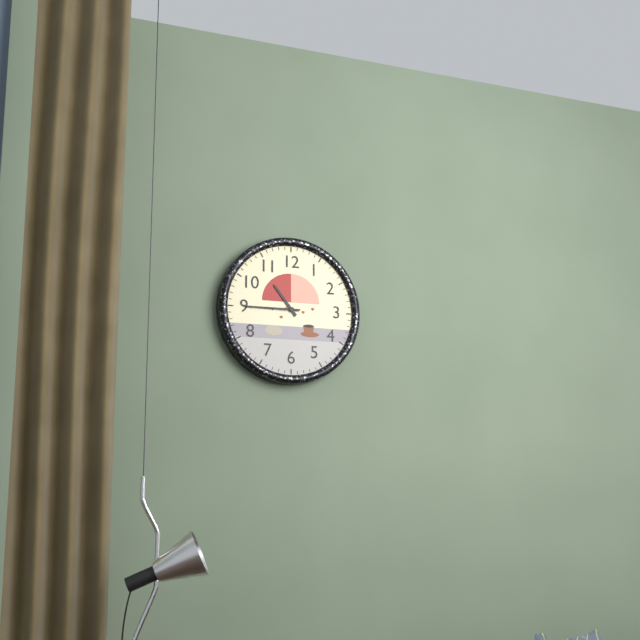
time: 10:45
